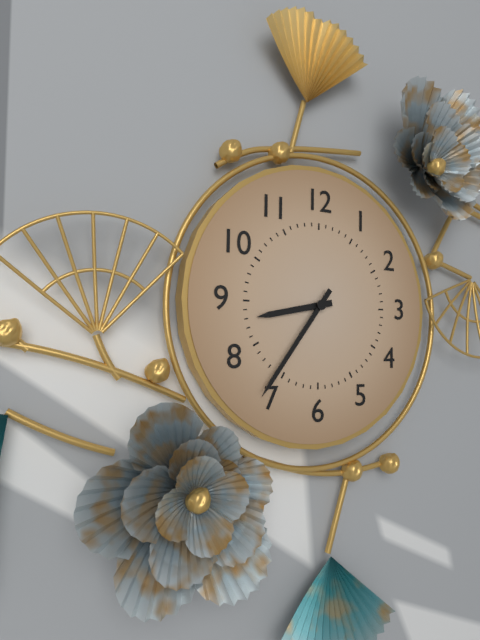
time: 8:36
